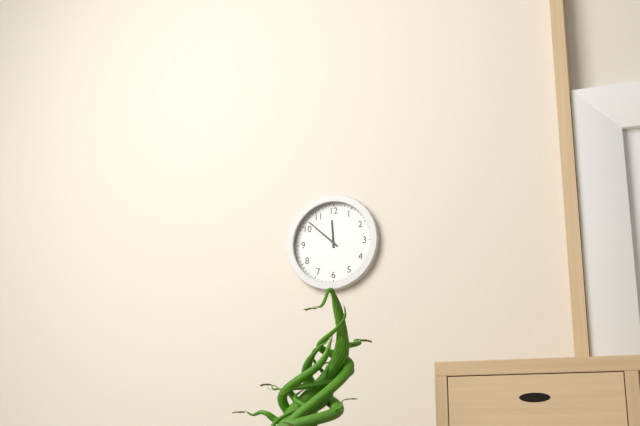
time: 11:52
